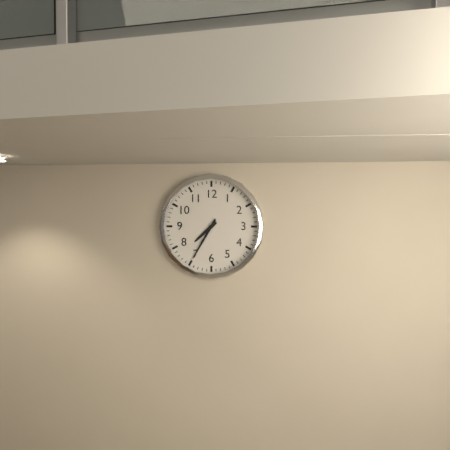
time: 7:35
